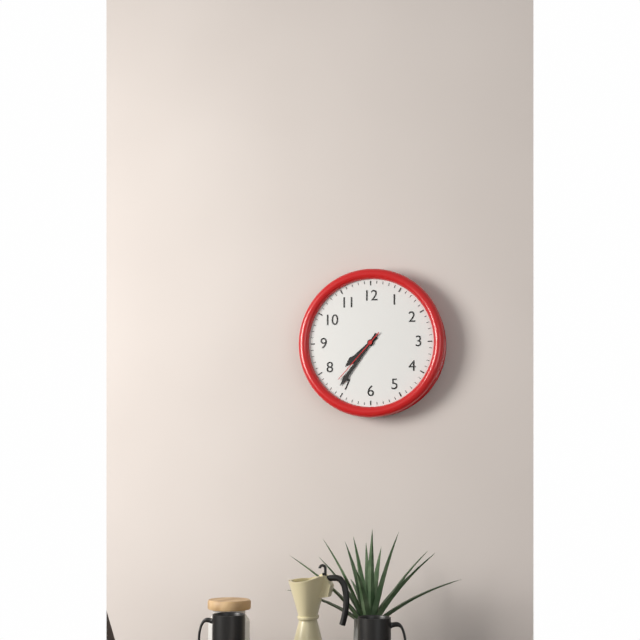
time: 7:36:37
